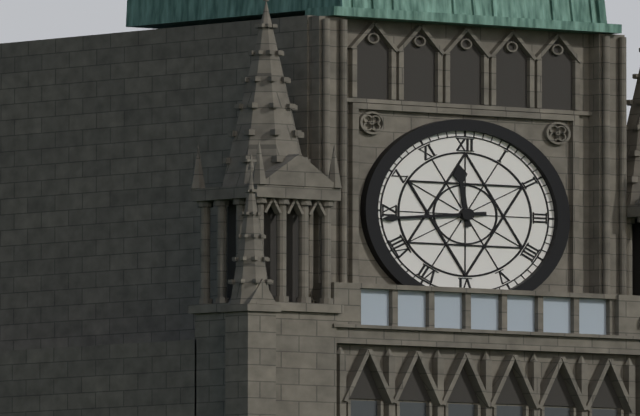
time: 11:44
